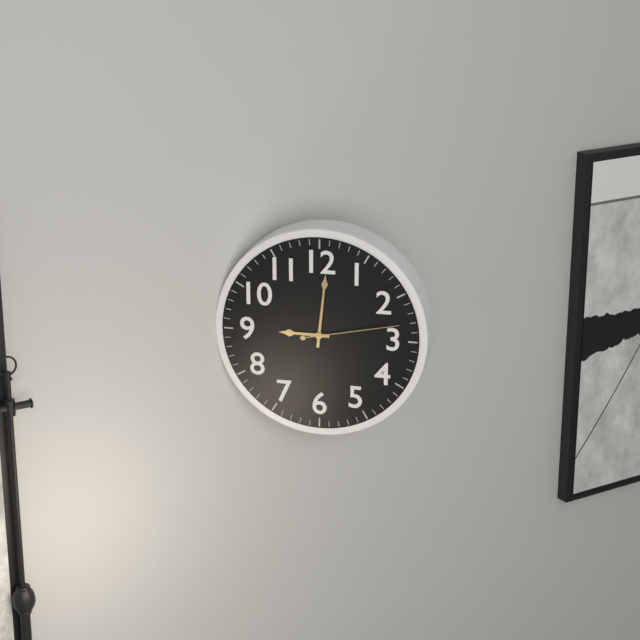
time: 9:01:13
